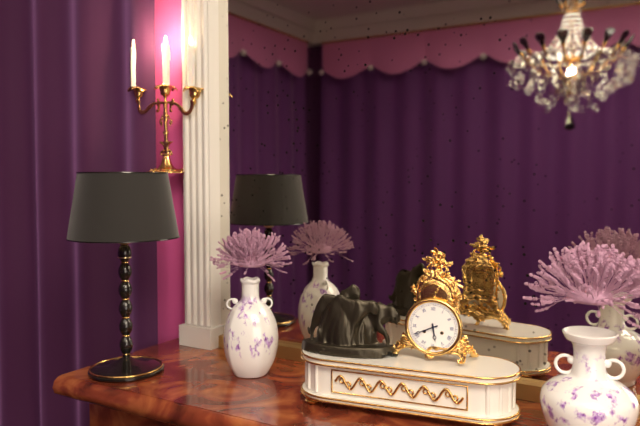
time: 5:41
